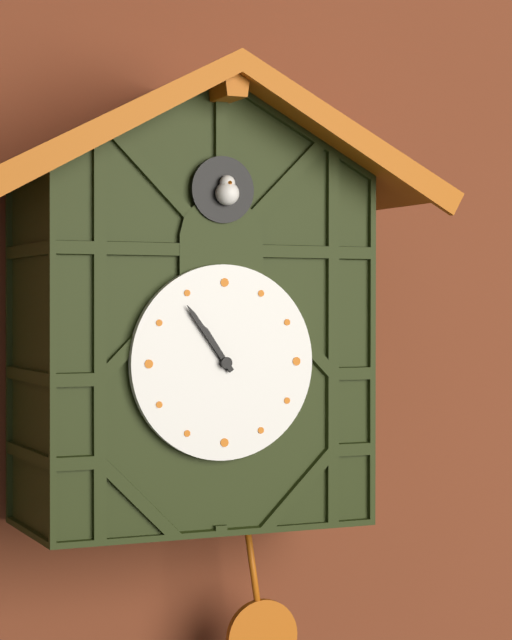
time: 10:54
